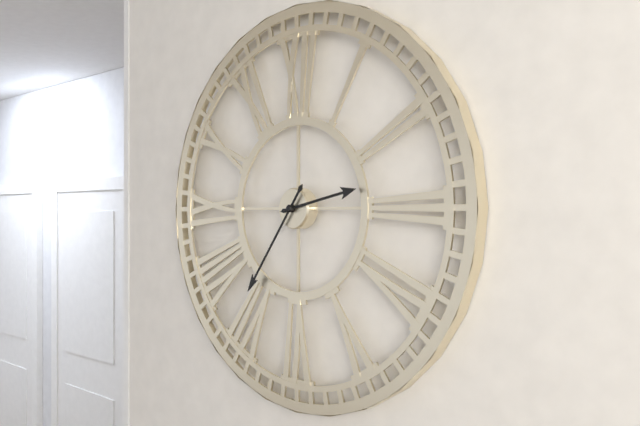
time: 2:36
